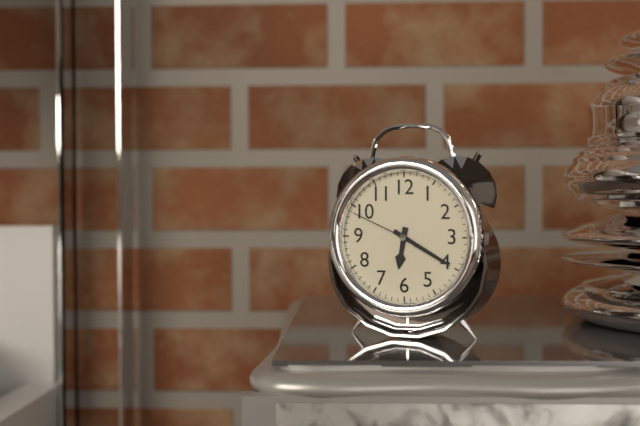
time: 6:20:49
